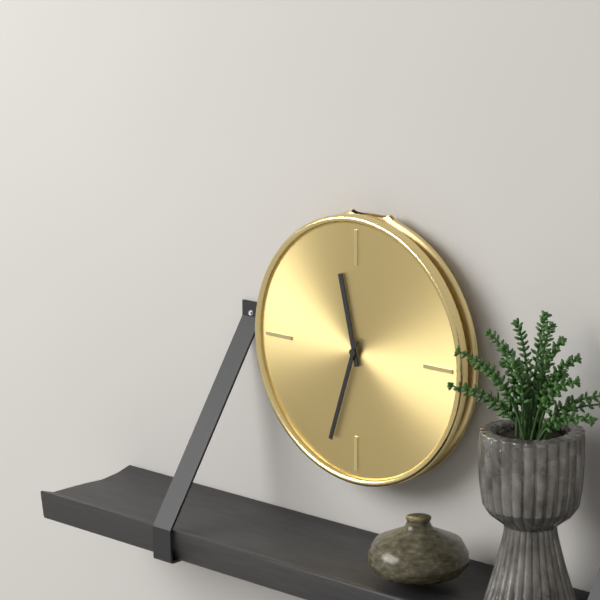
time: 11:33
